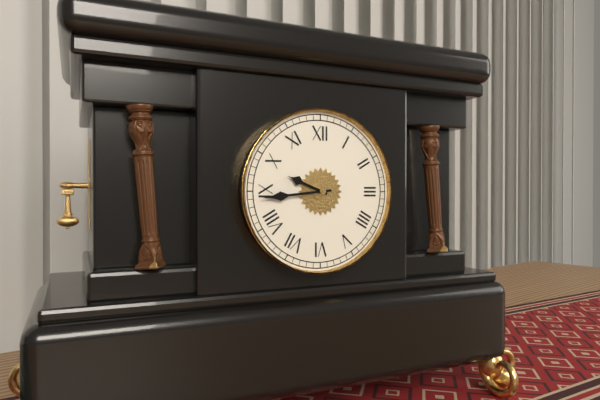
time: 9:44
